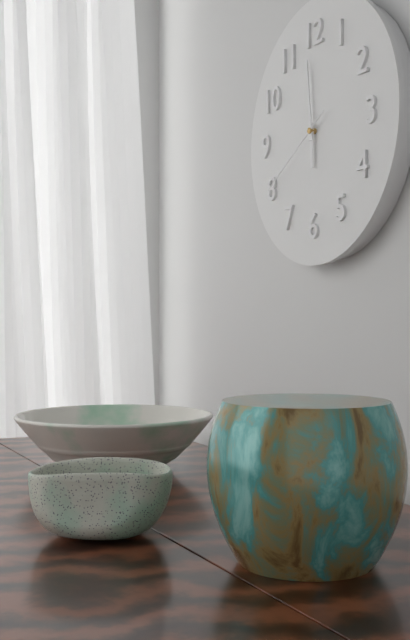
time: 5:59:40
